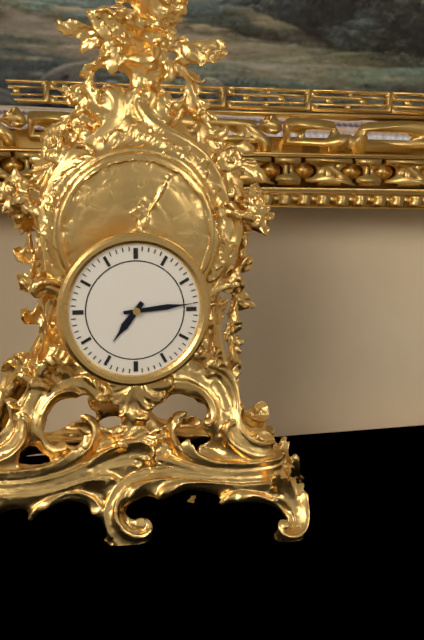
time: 7:14
